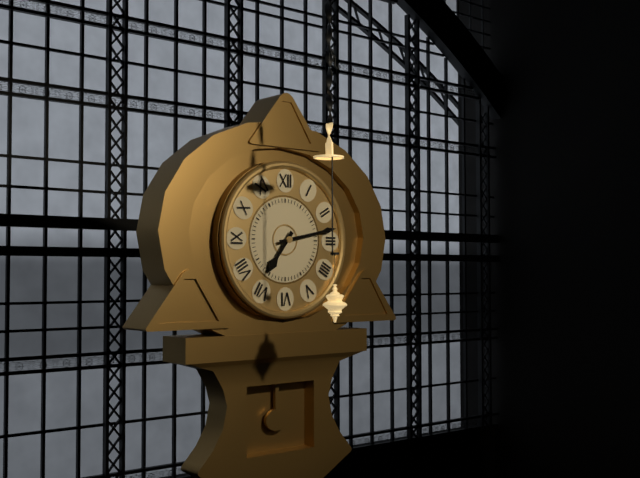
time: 7:13
